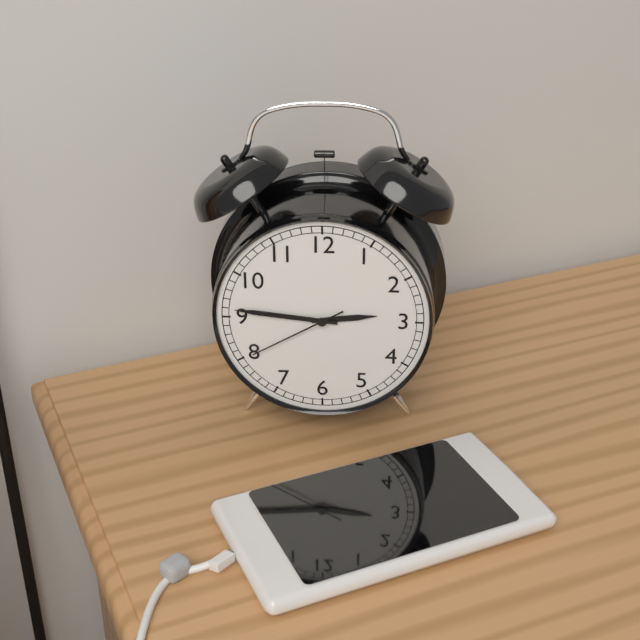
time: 2:46:40
